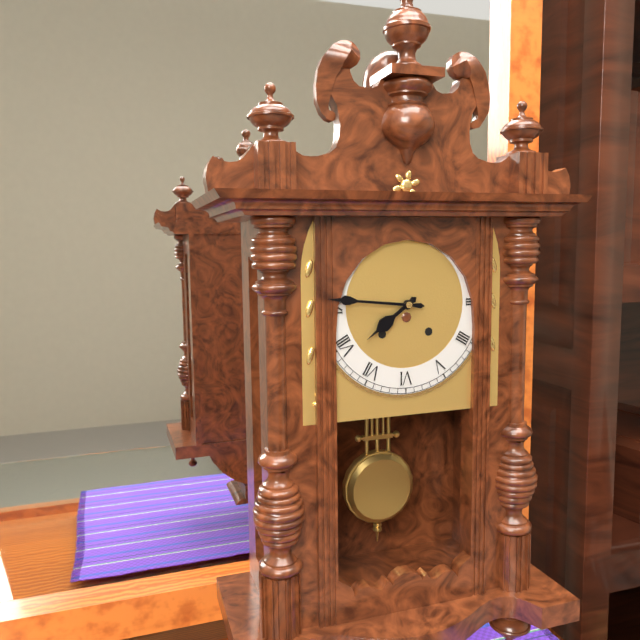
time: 7:46
